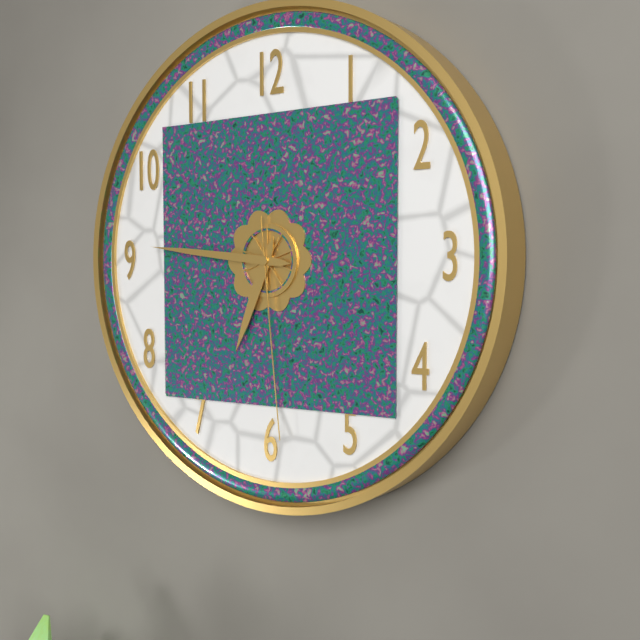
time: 6:46:29
